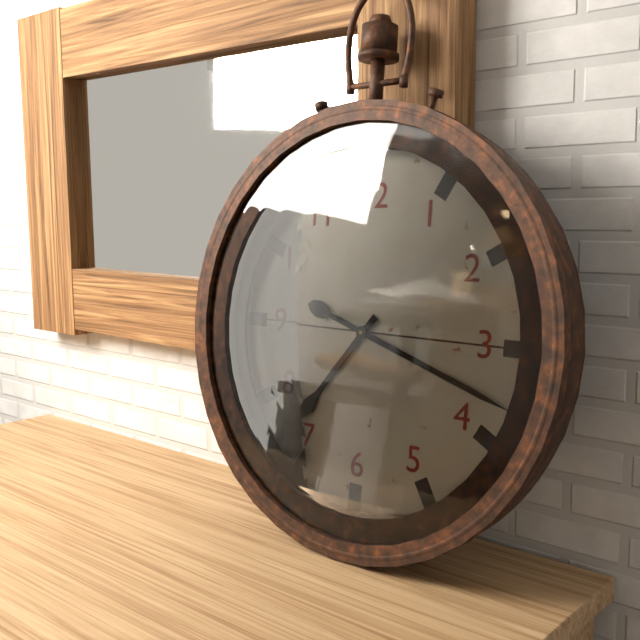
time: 7:18
